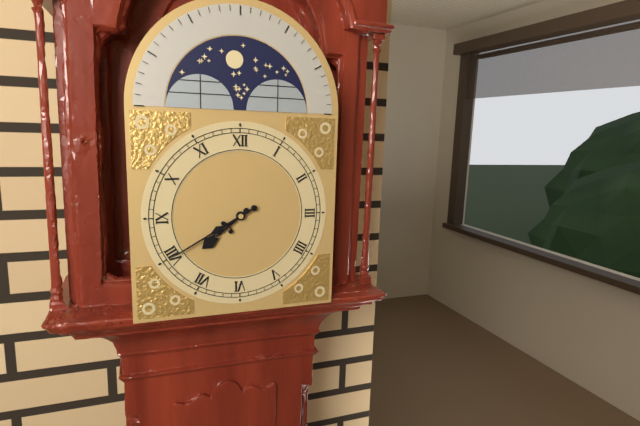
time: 7:40
